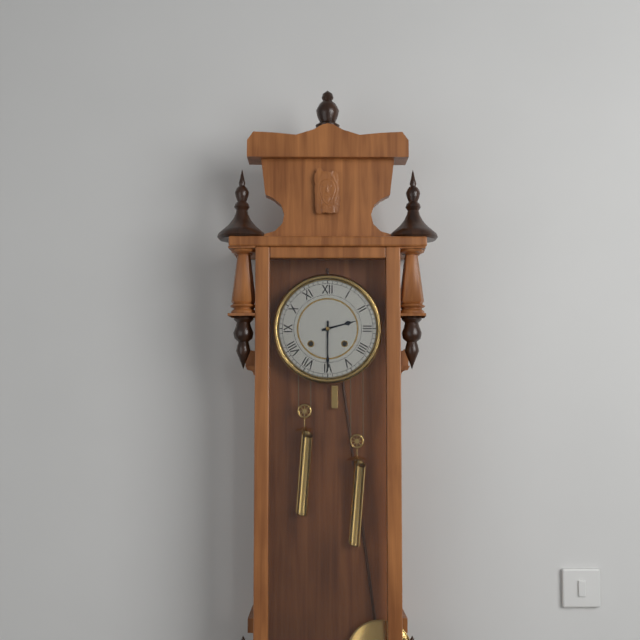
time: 2:30
